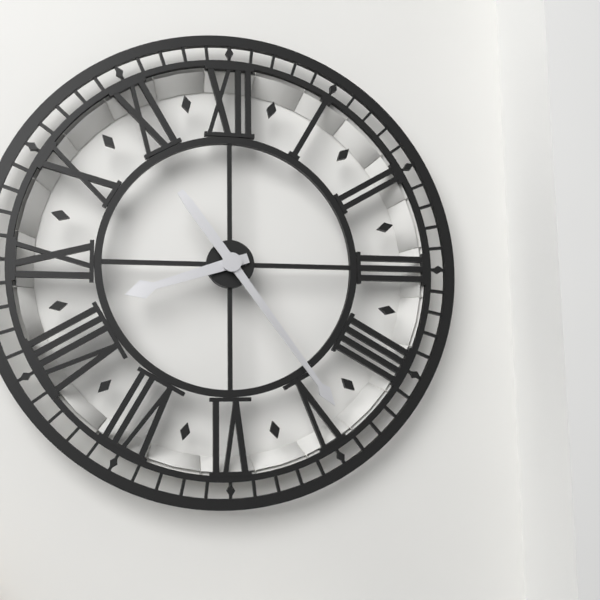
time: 8:24
